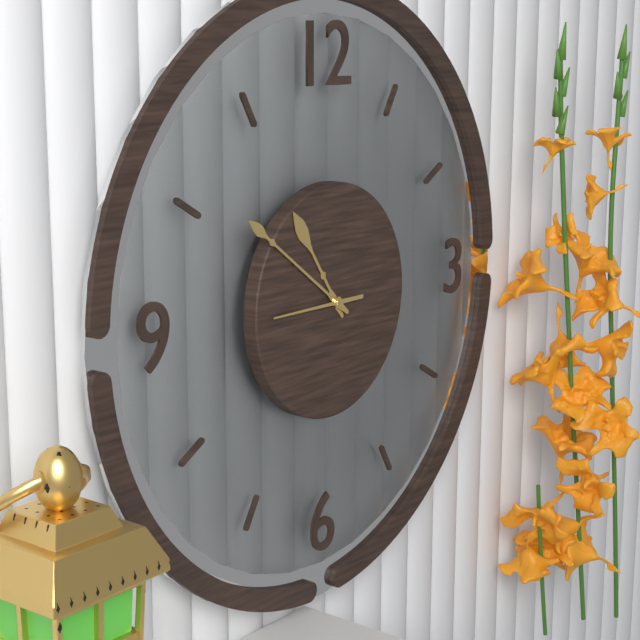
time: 10:51
